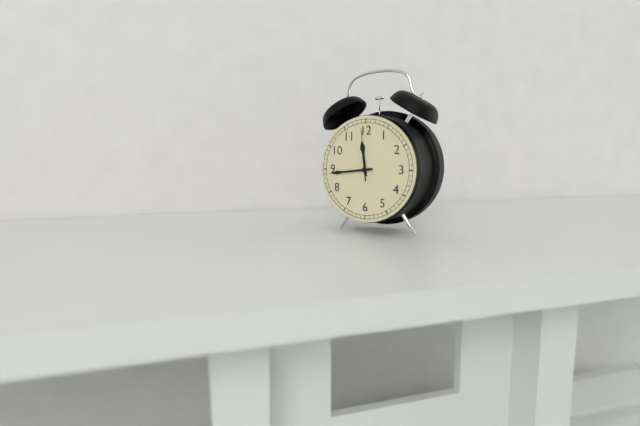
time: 11:44:59
